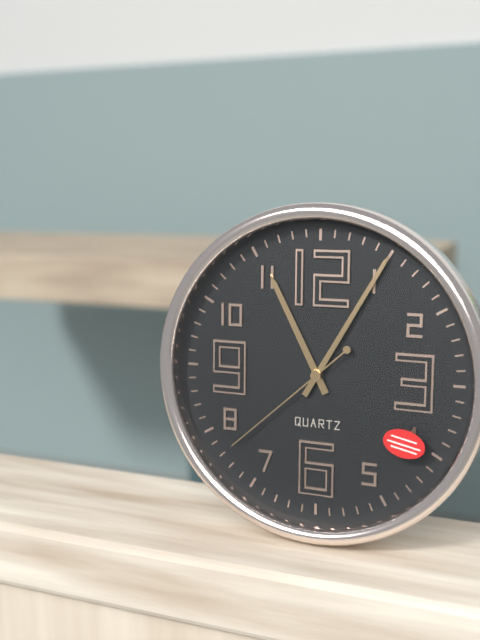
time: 11:05:38
